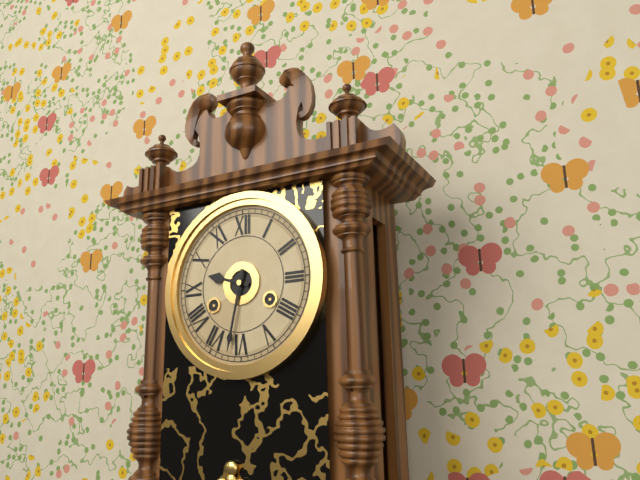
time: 9:32
